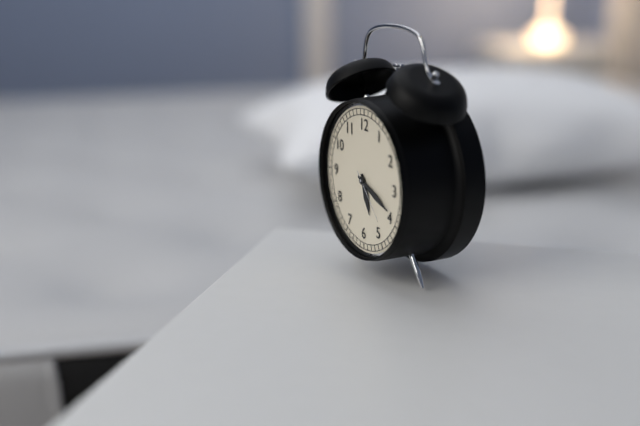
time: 5:19:23
